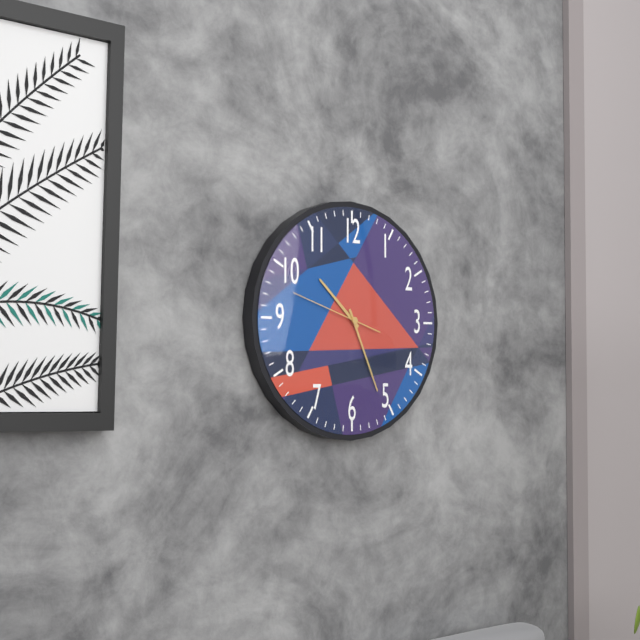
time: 10:26:48
